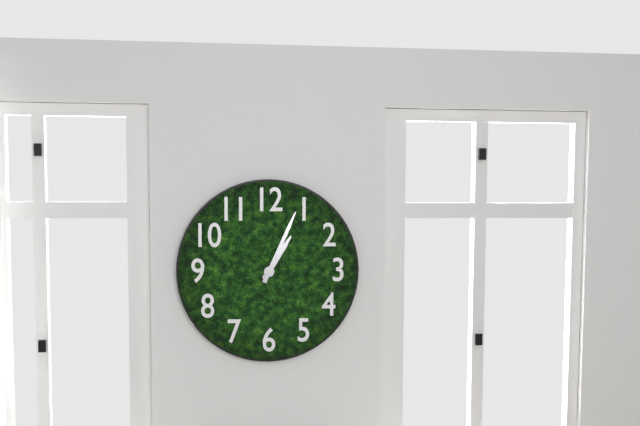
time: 1:04
